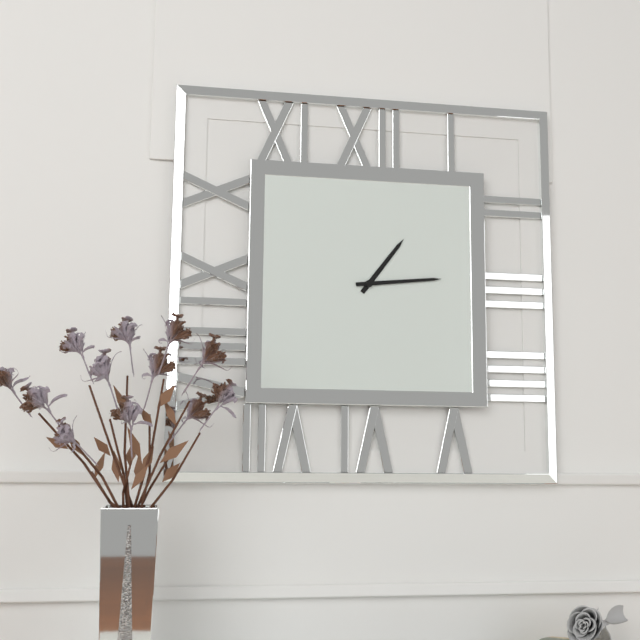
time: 1:14
